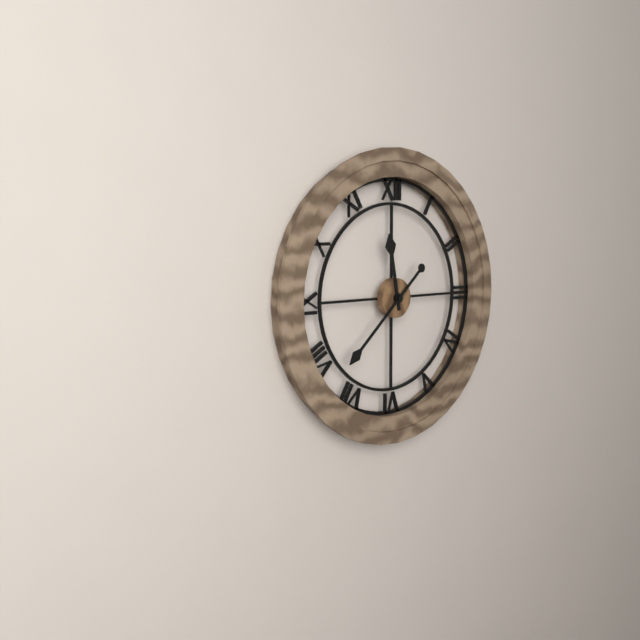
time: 11:38
